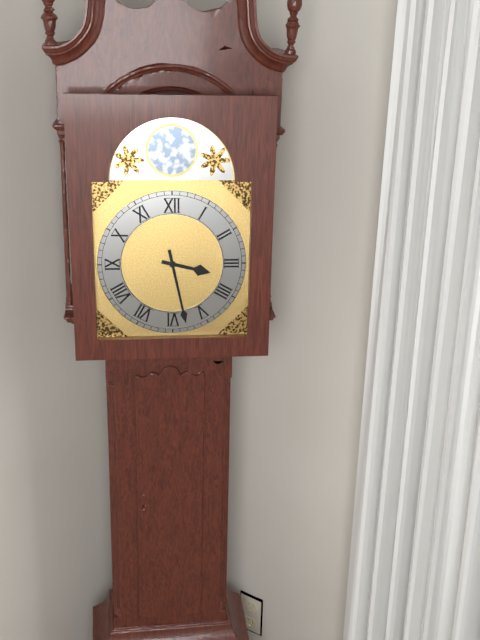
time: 3:28
